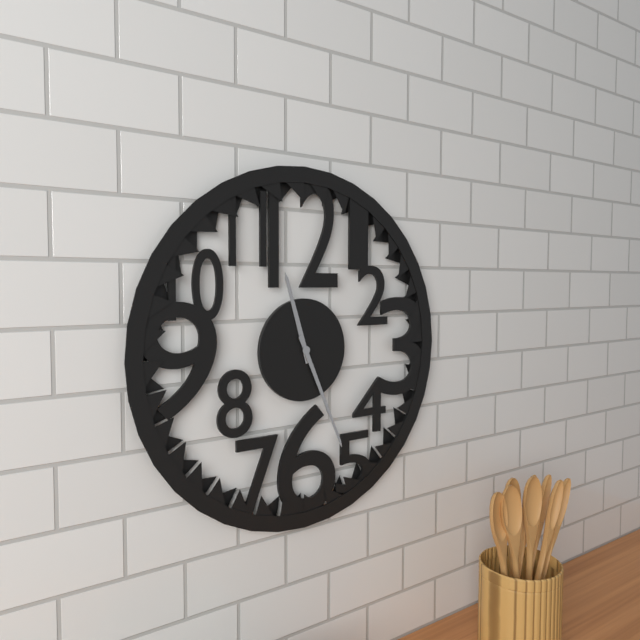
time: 11:26
